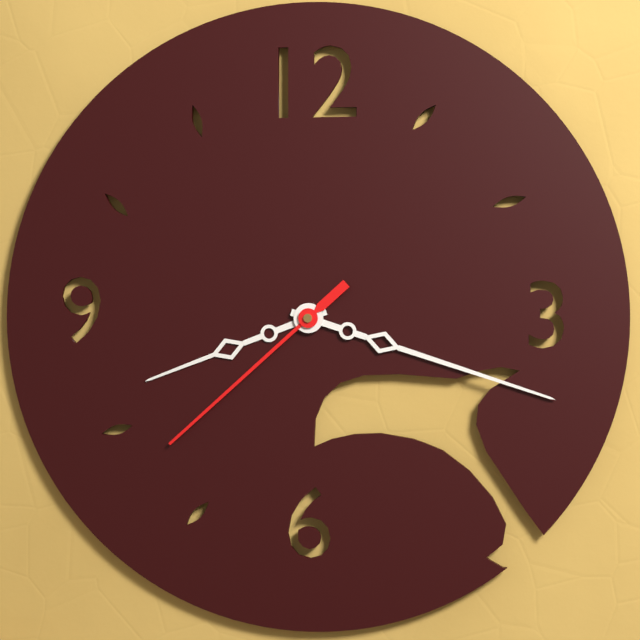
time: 8:18:38
